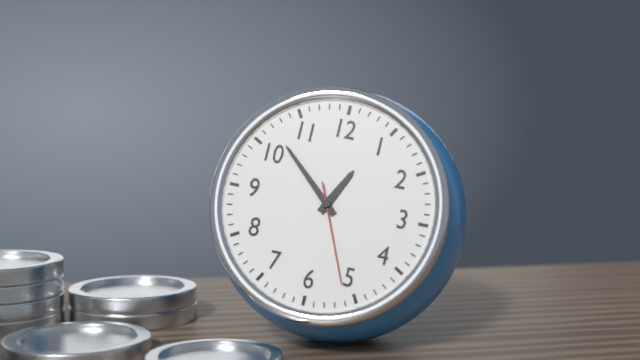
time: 12:52:26
